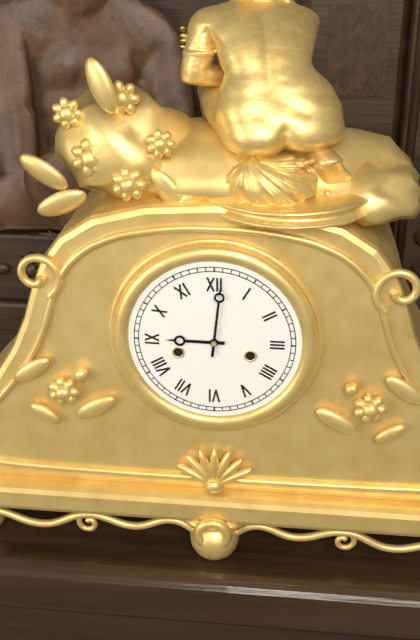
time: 9:01
